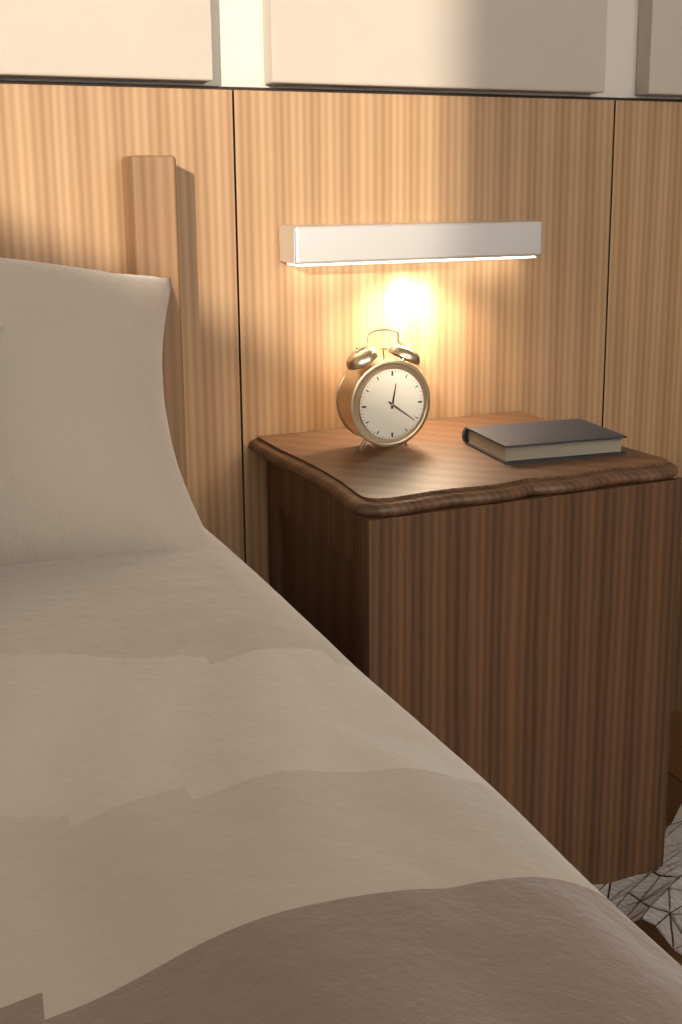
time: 12:21
